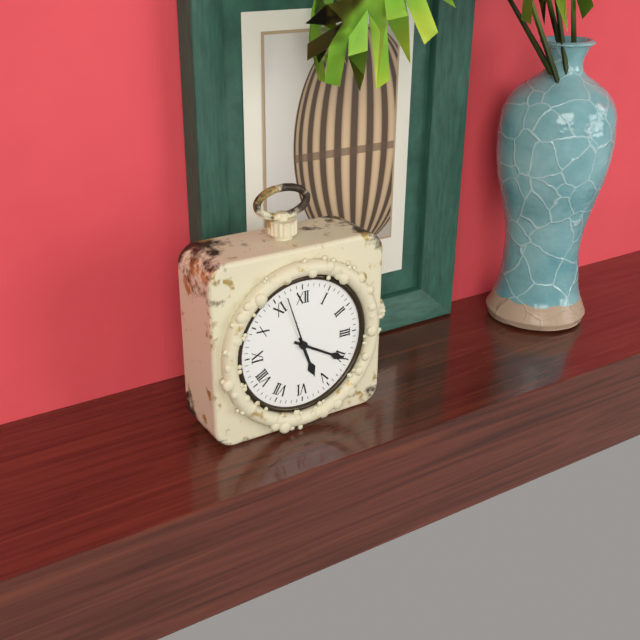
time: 5:20:57
